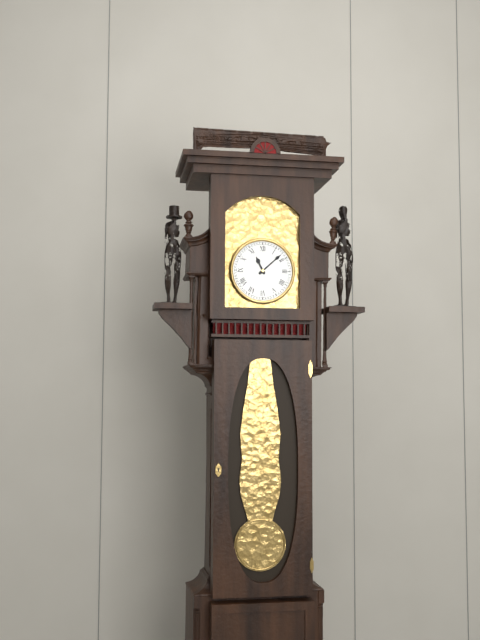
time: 11:08
